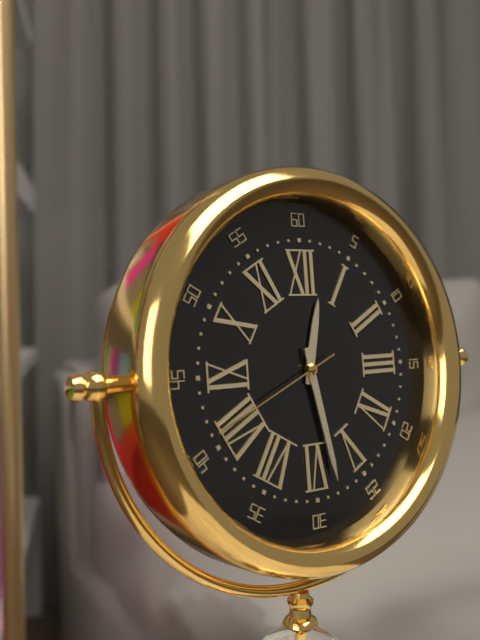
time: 12:28:41
